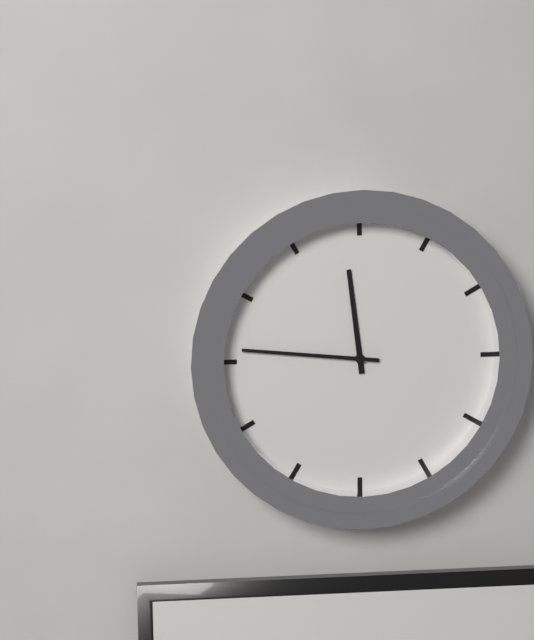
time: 11:46
